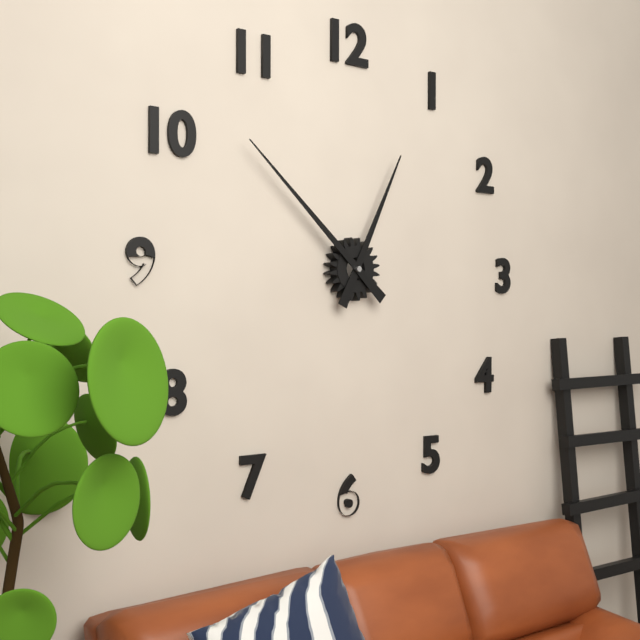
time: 12:52
